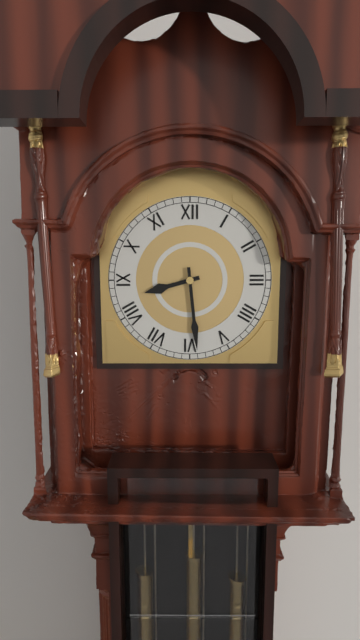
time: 8:29
